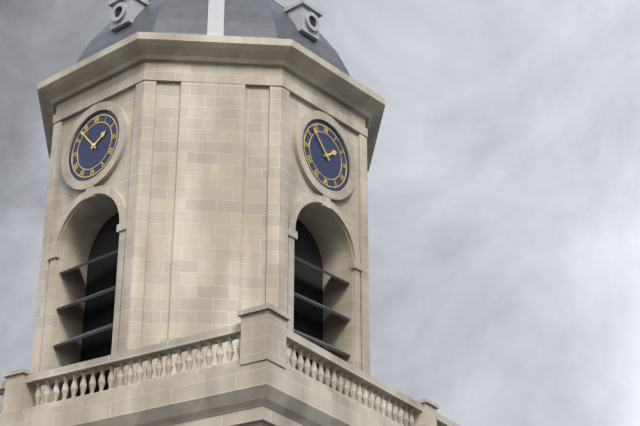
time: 1:53
